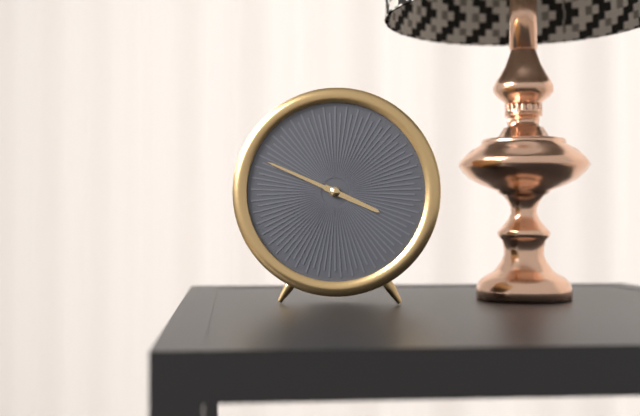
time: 3:49
